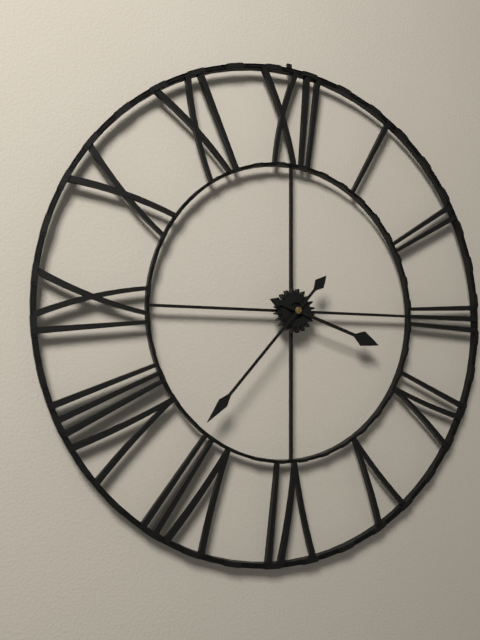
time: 3:37
